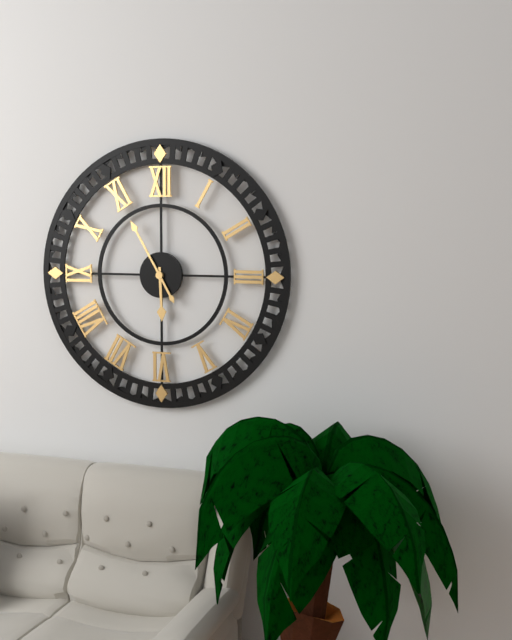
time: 5:55
